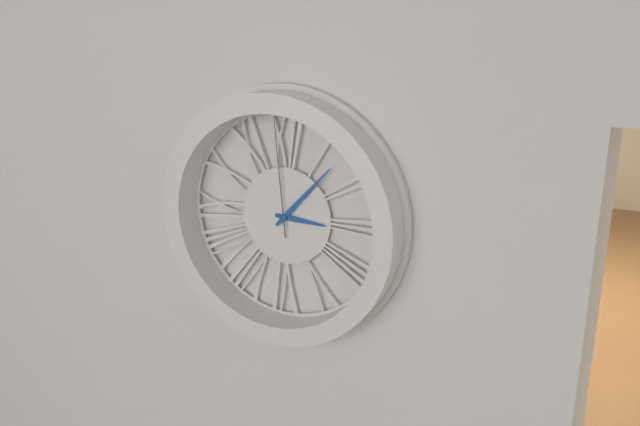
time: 3:07:59
